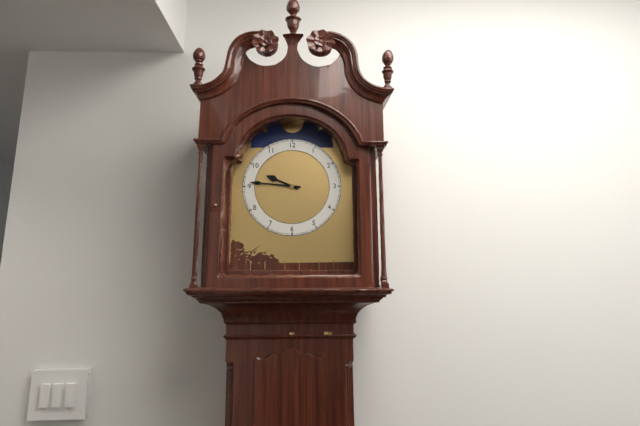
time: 9:46
